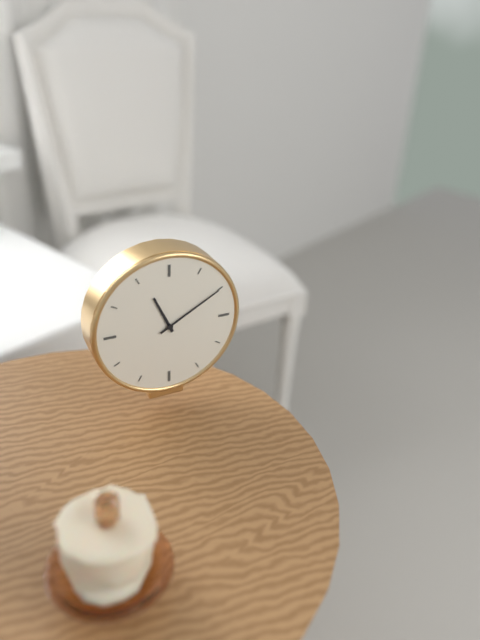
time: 11:10
